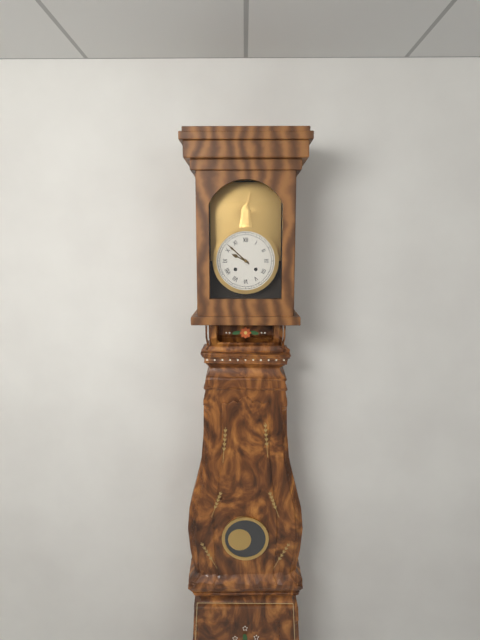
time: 9:52
